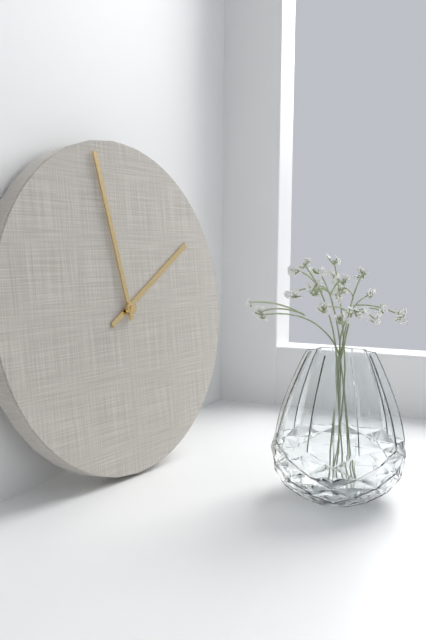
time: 1:58
